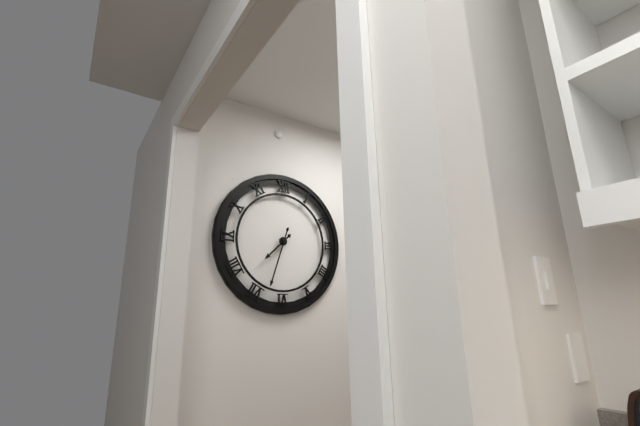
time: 7:33
